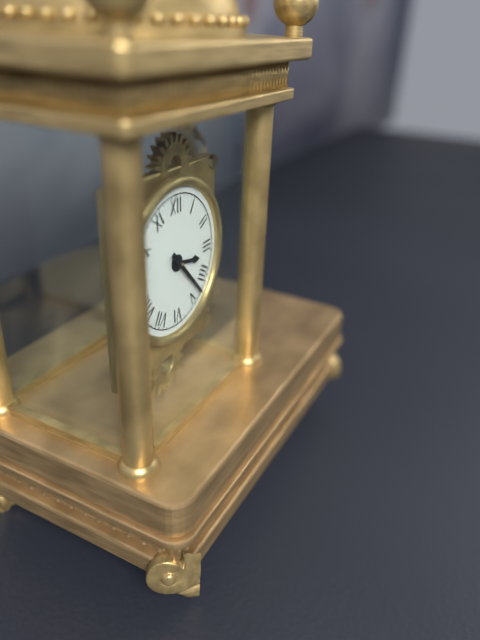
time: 3:23
